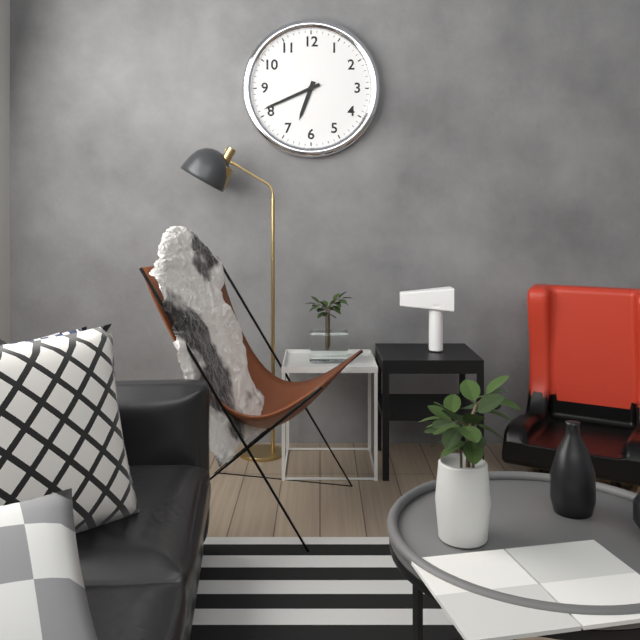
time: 6:41
